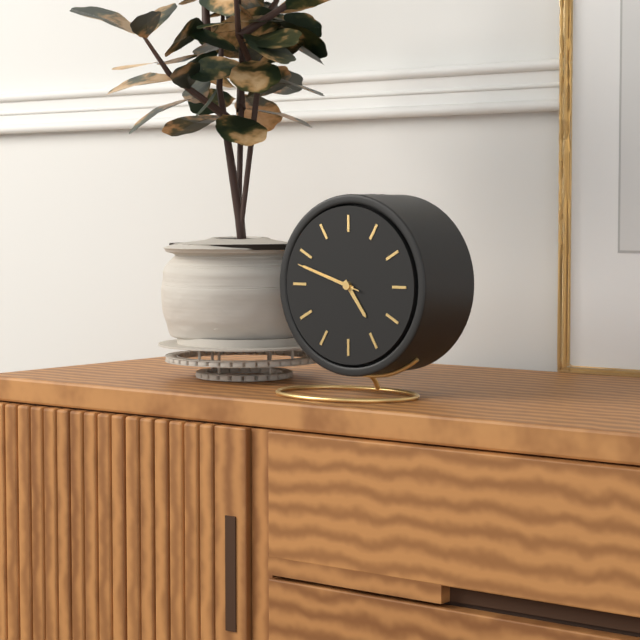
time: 4:48:48
